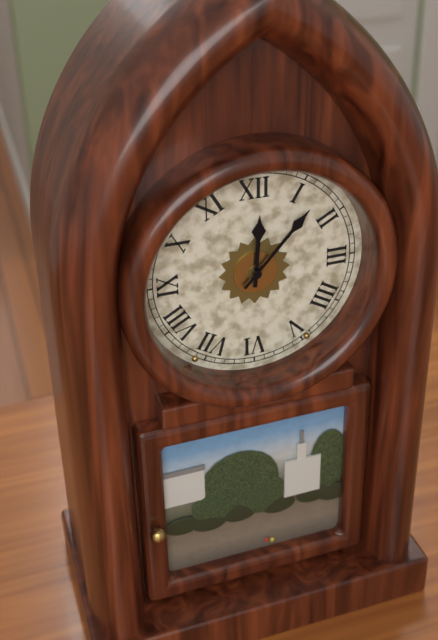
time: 12:07
